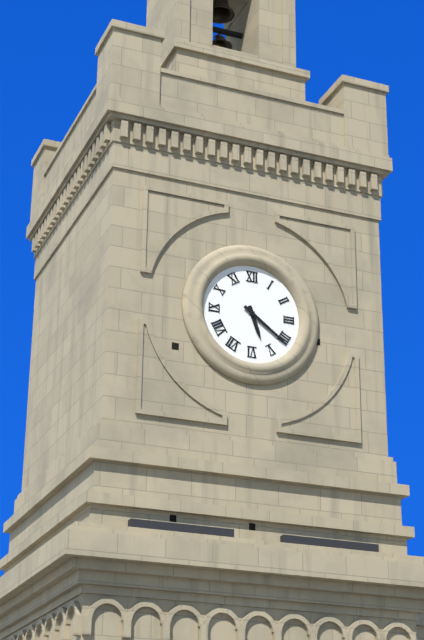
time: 5:21
